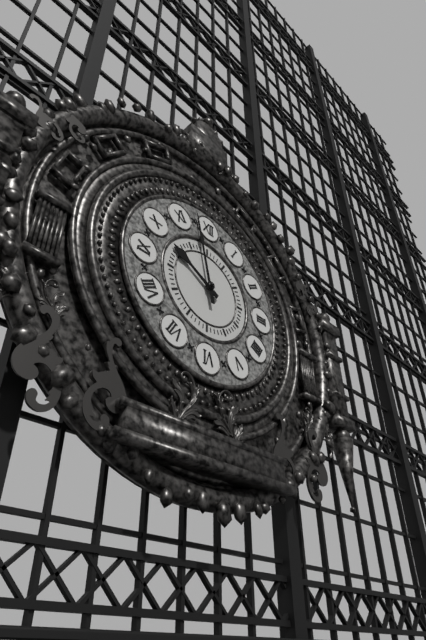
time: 9:58
